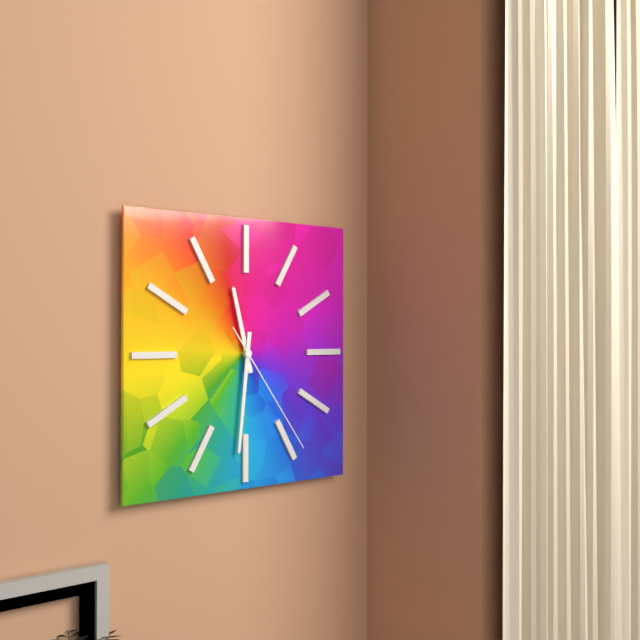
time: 11:31:24
